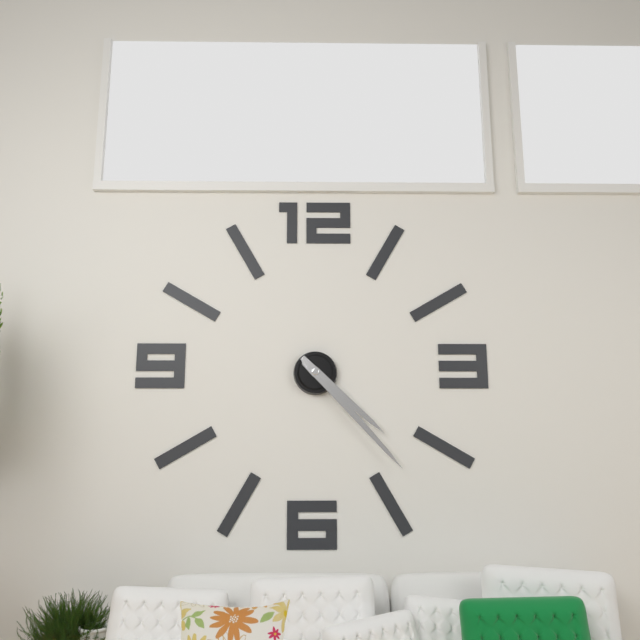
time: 4:23
